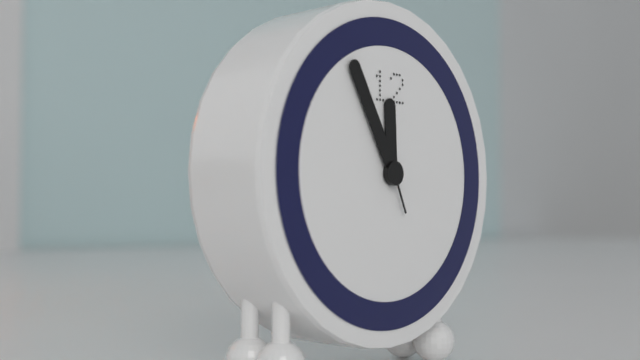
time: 11:55:26
